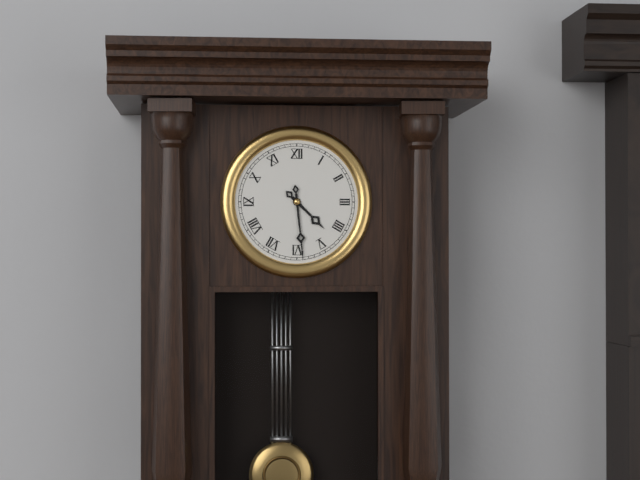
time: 4:29
